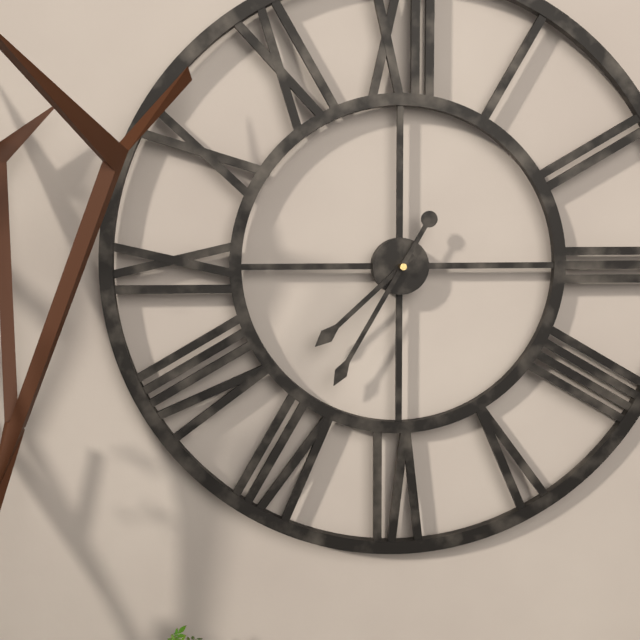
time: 7:35
